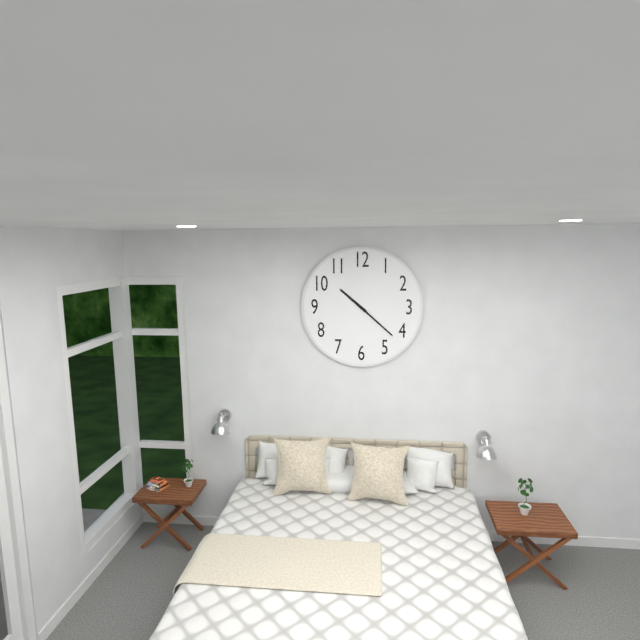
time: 10:22
